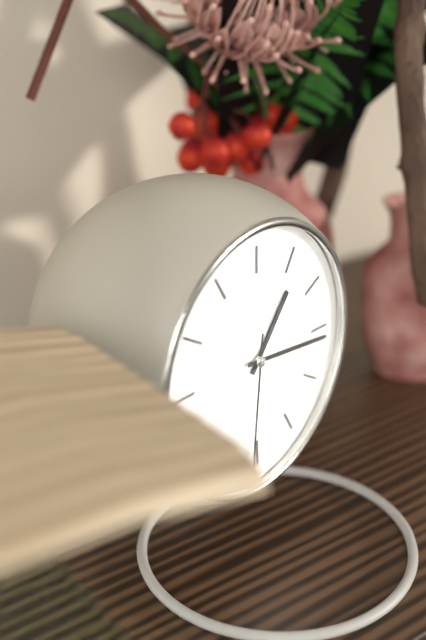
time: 1:16:31
